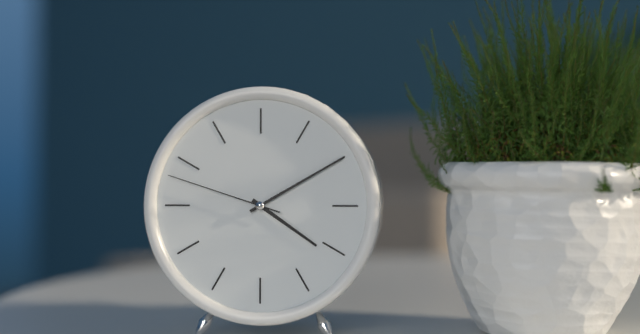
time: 4:10:48
